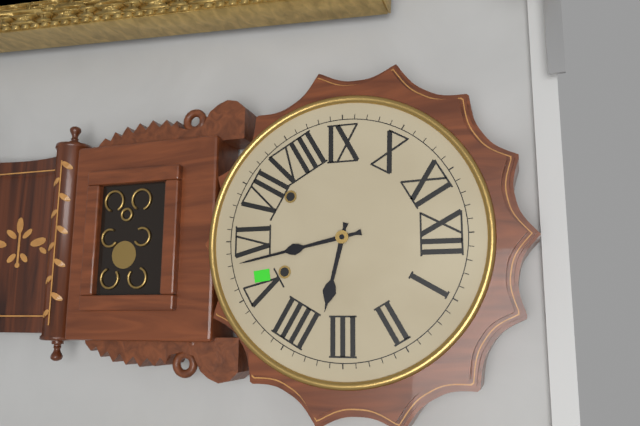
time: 3:28
